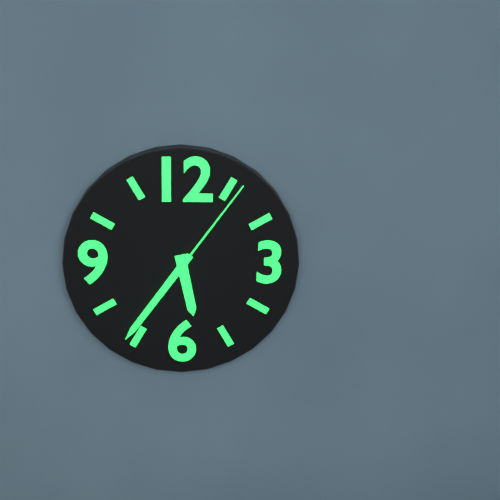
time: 5:36:06
